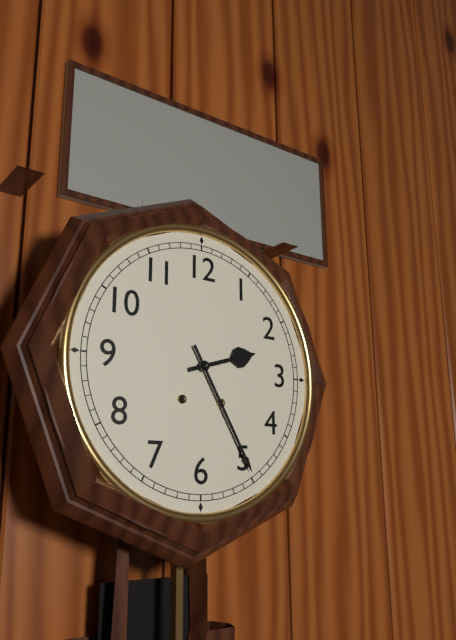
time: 2:25
